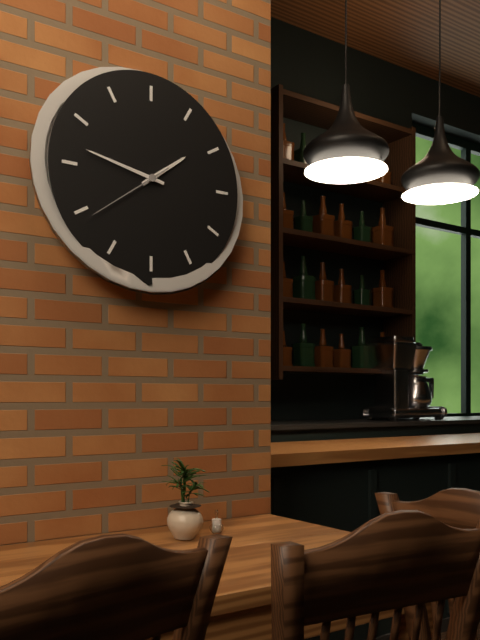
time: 1:47:39
